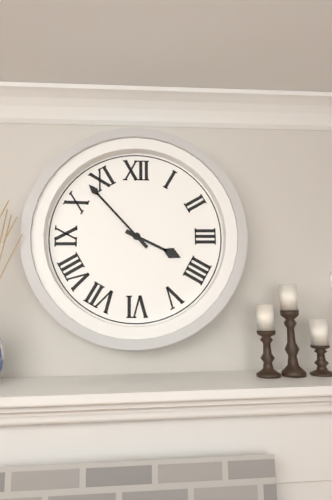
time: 3:53
